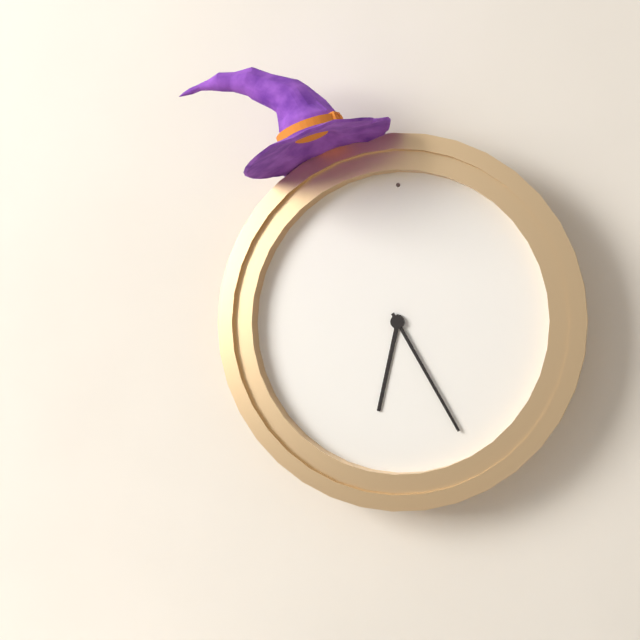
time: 6:25
